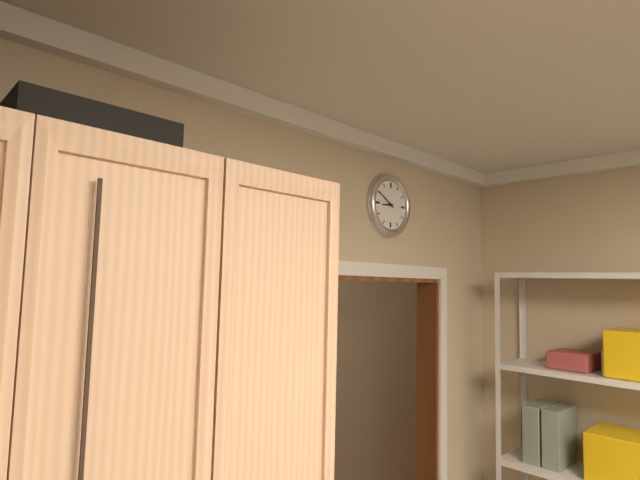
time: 8:50
